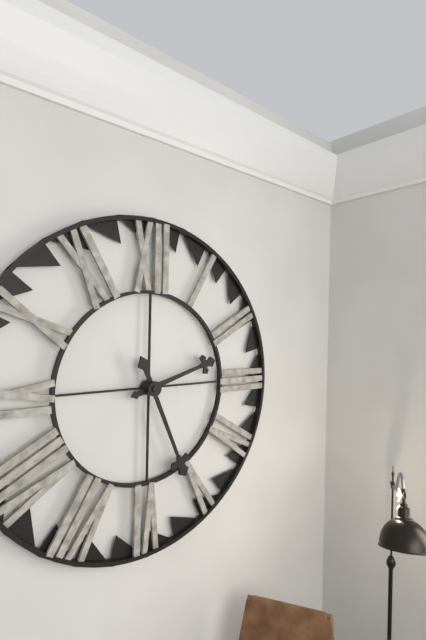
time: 2:26
